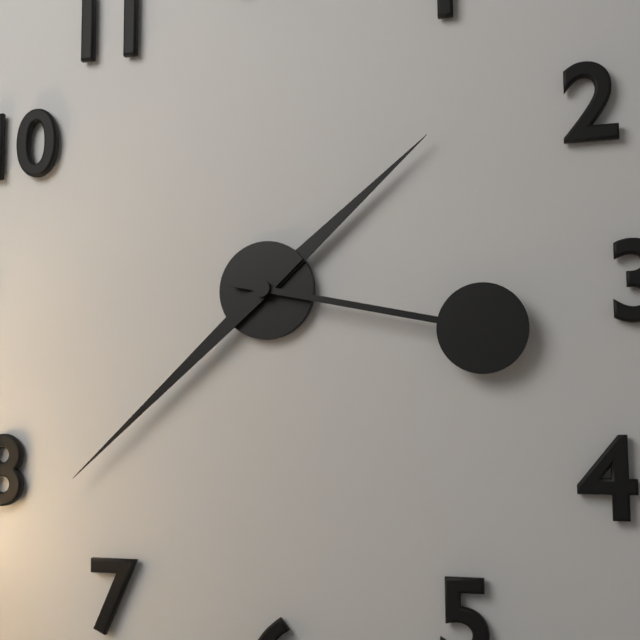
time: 1:38:17
